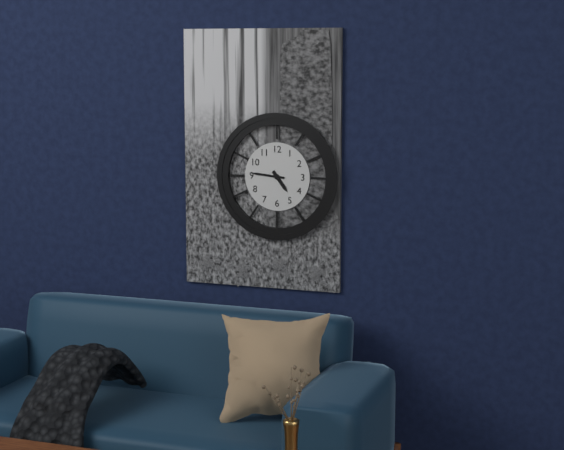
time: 4:46
